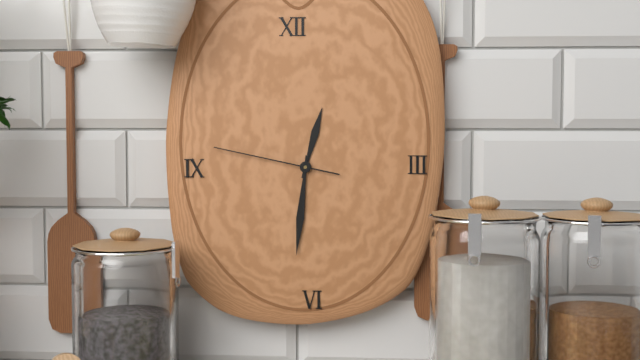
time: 12:31:47
